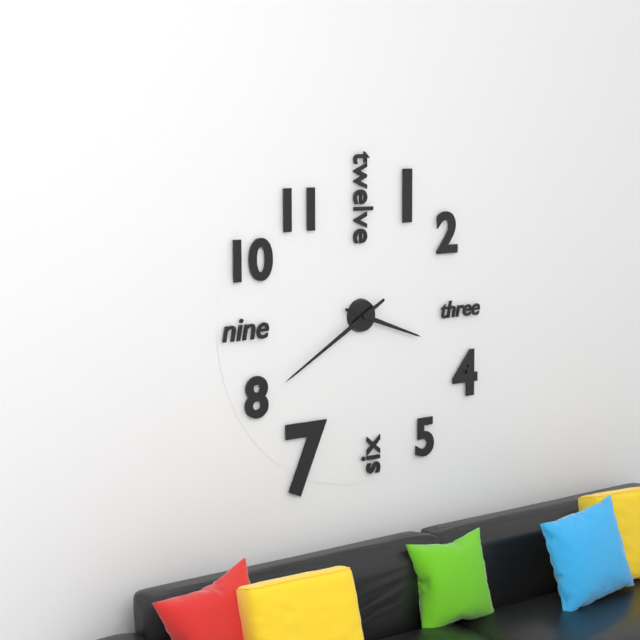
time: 3:40
